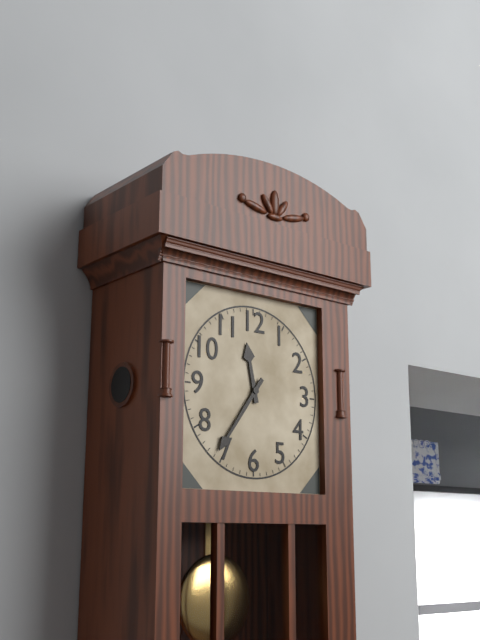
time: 11:36
